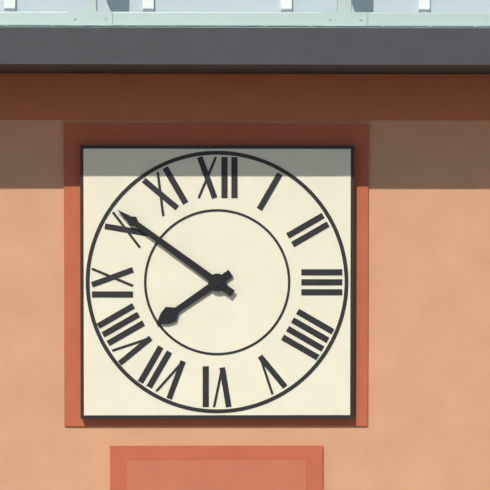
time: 7:51
